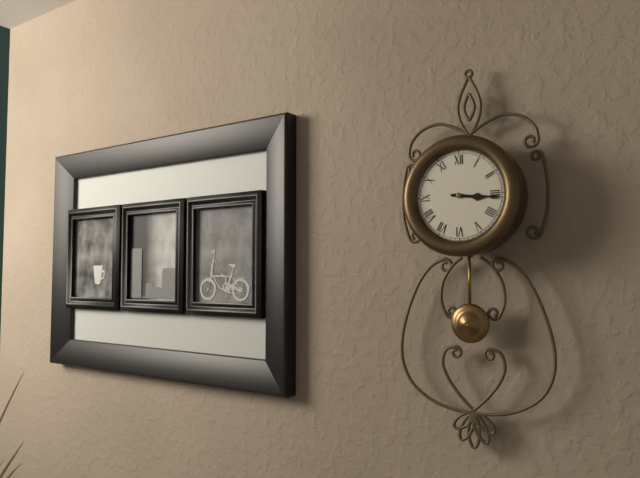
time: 3:16
